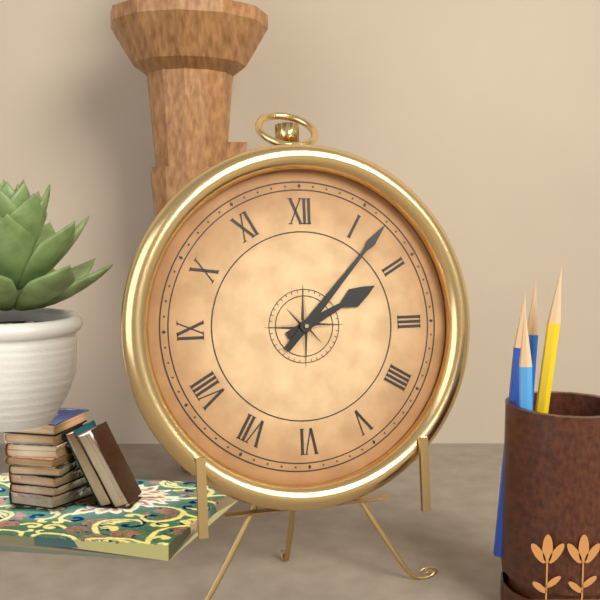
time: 2:07
